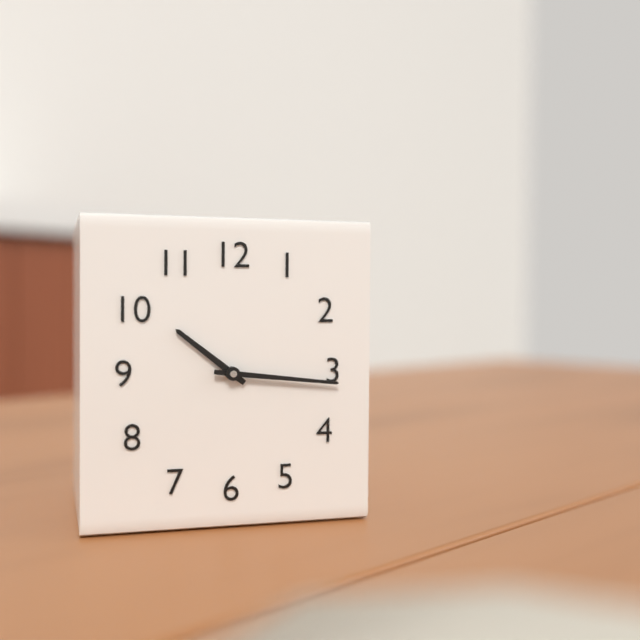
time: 10:16
